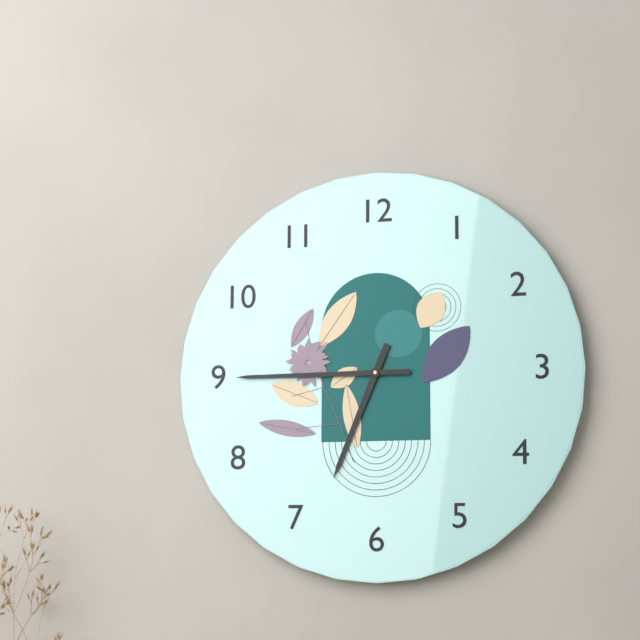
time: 6:45
